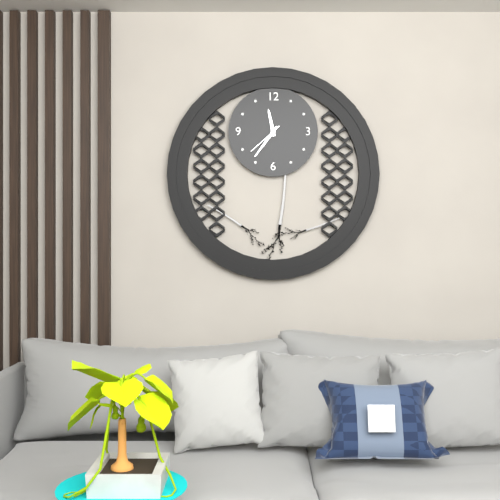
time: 11:36
